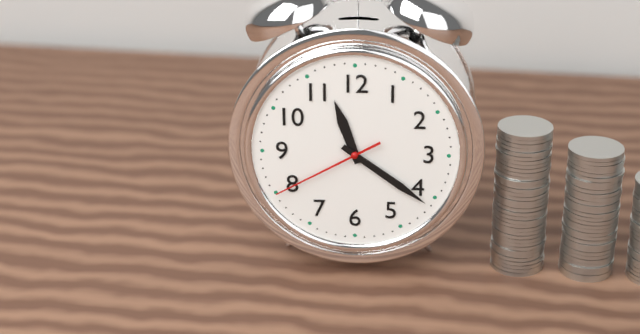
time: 11:21:40
